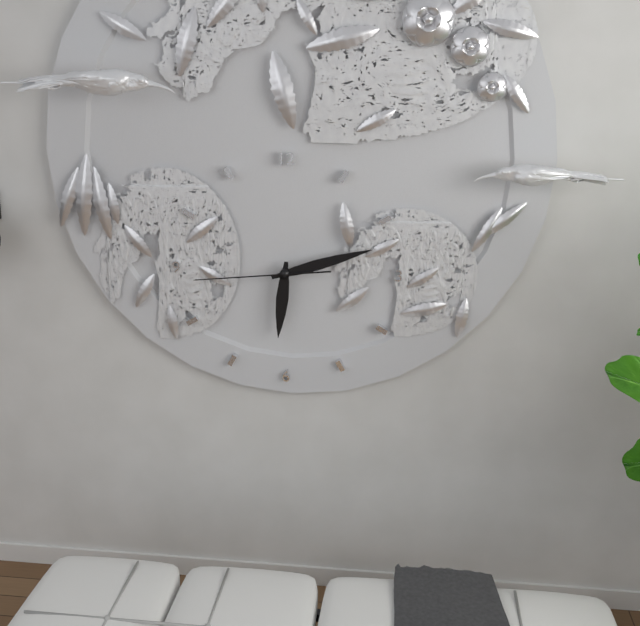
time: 6:12:44
